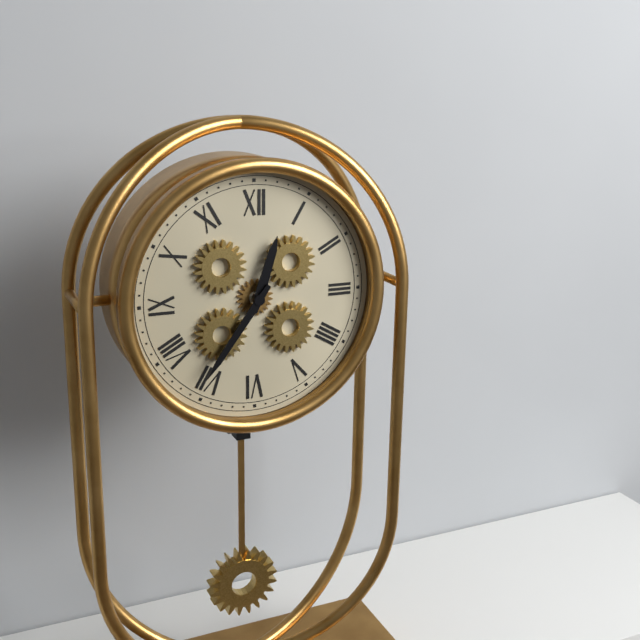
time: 12:36
